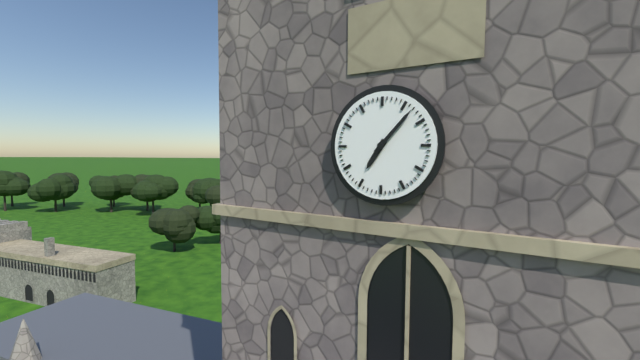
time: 7:07
